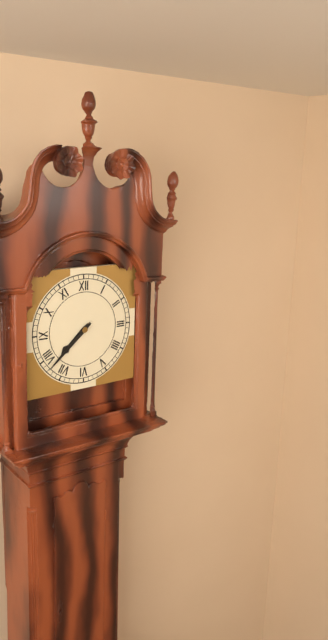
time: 7:38
